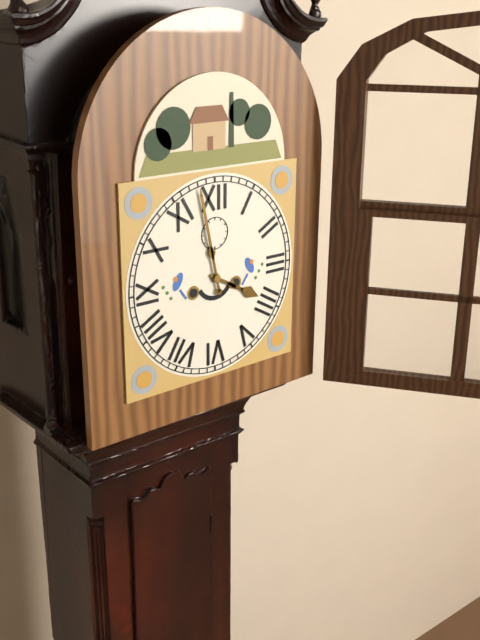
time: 3:58
